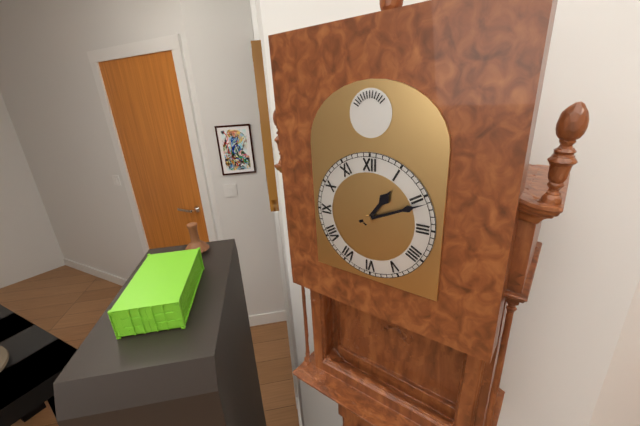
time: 1:11
